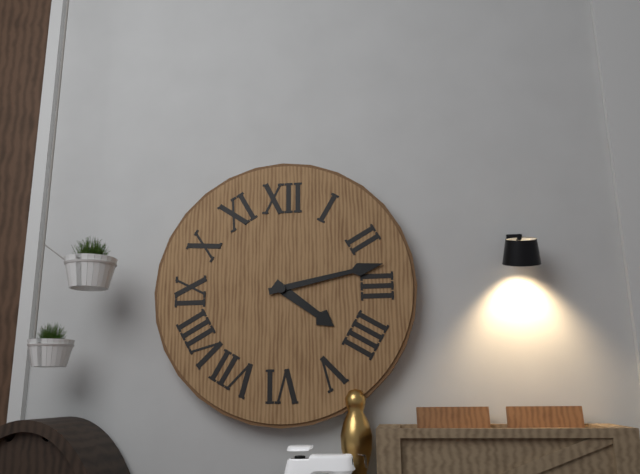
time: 4:13
